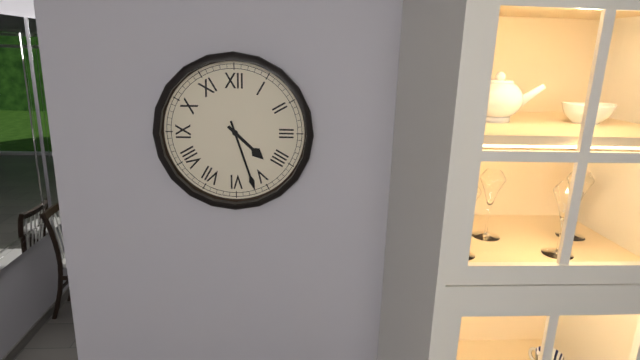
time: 4:27
